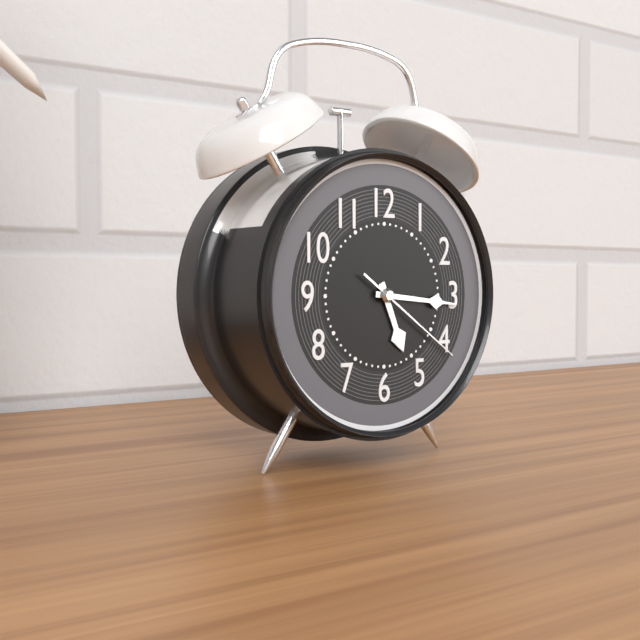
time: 5:16:21
